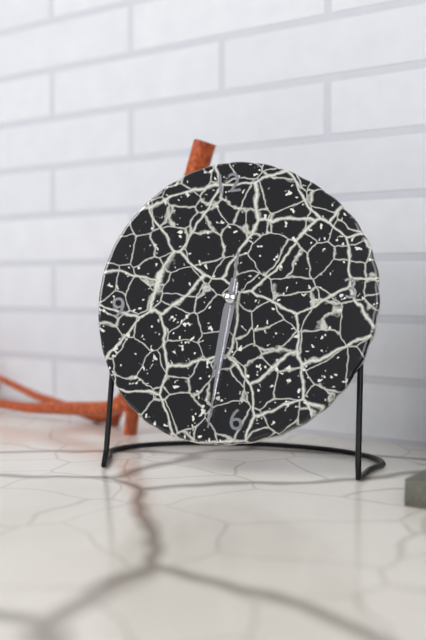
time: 6:32:32
